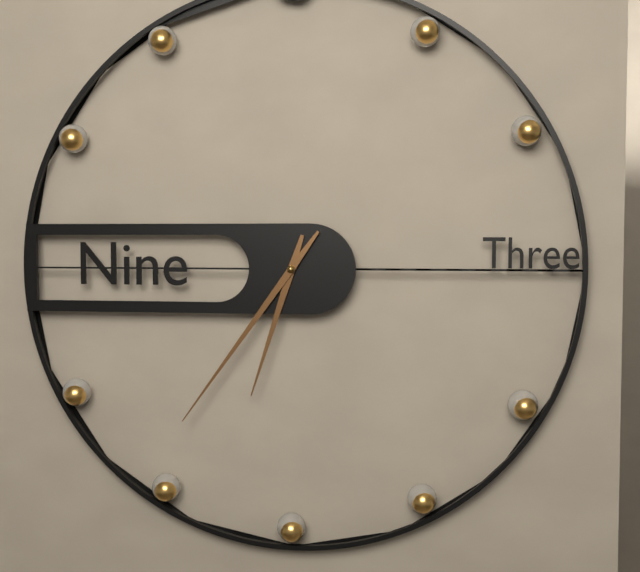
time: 6:36
